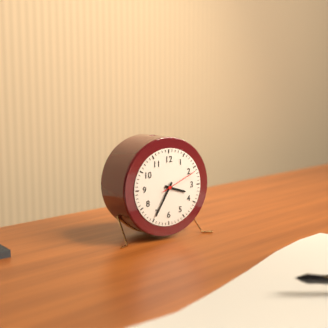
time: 3:35
